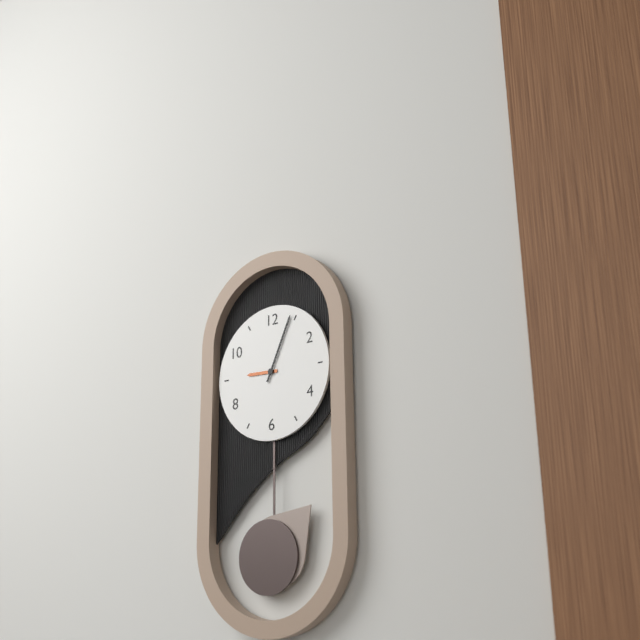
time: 9:04
